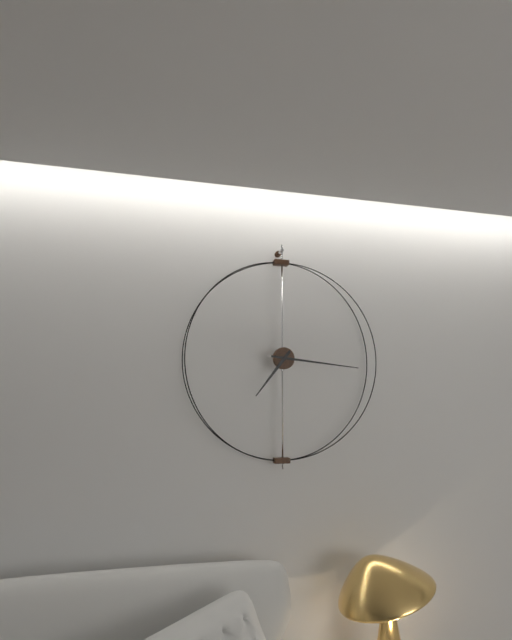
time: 7:16
